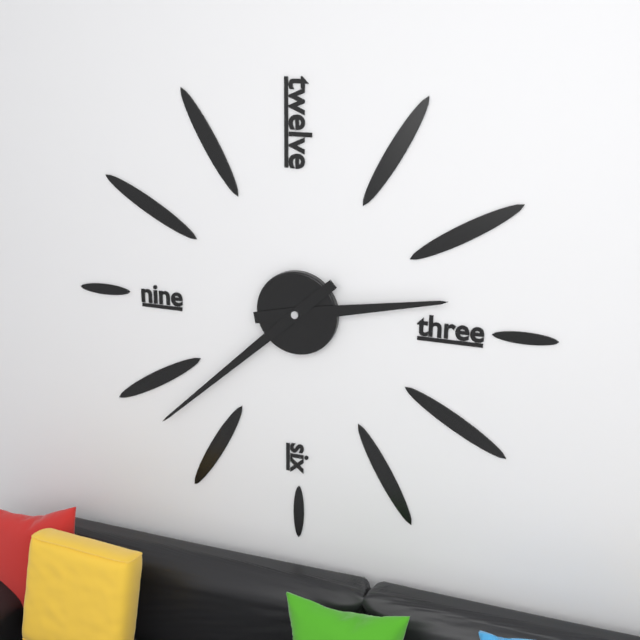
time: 2:38
